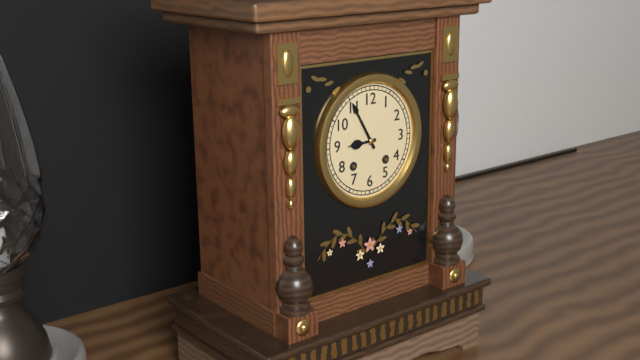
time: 8:55
